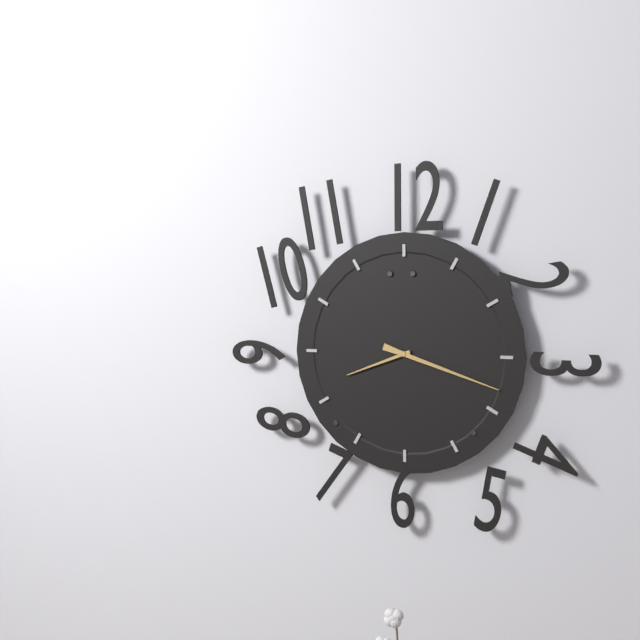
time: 8:18
